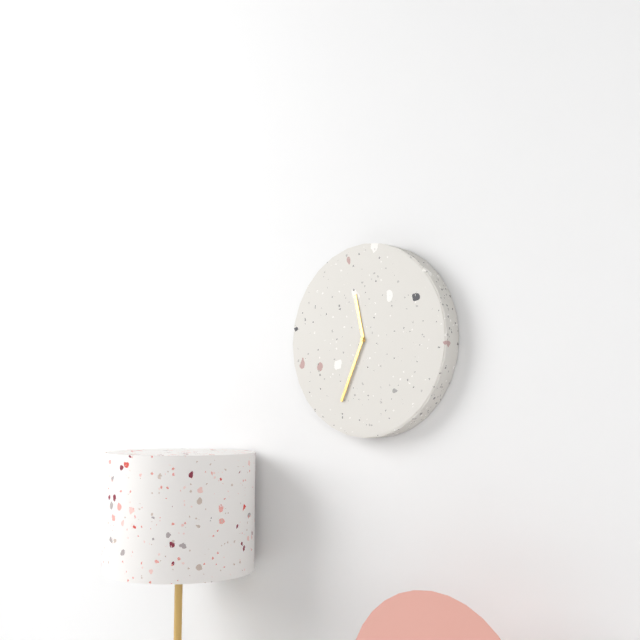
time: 11:34
